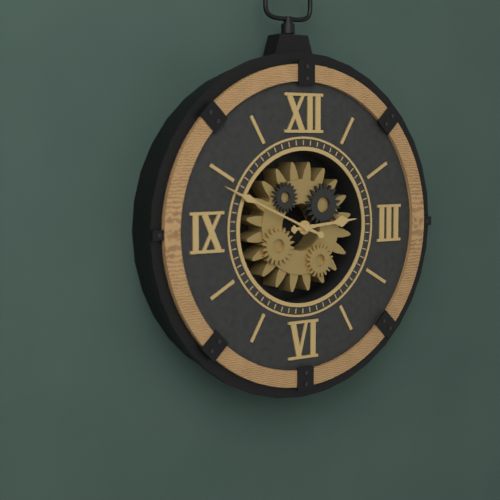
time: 2:49
